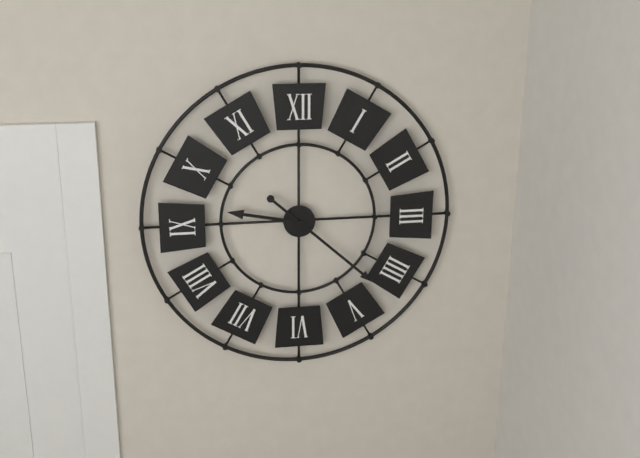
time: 9:22
